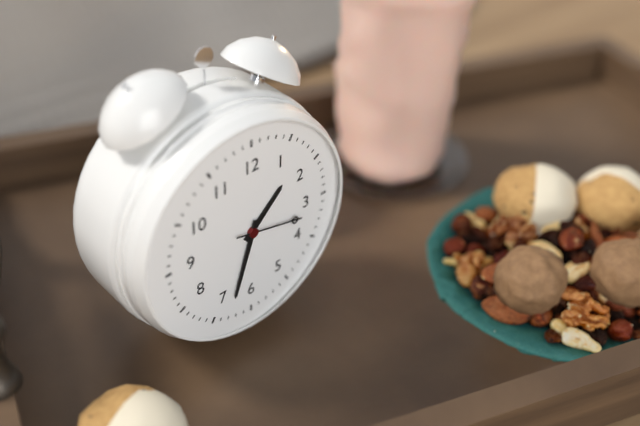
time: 1:33:17
